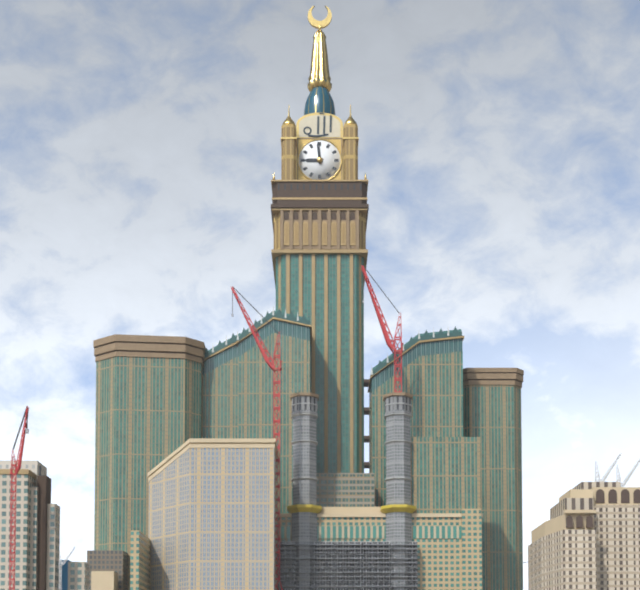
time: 8:59
